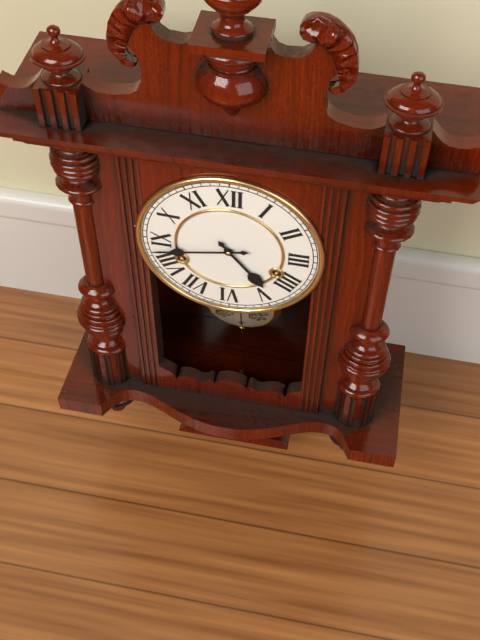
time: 4:43
